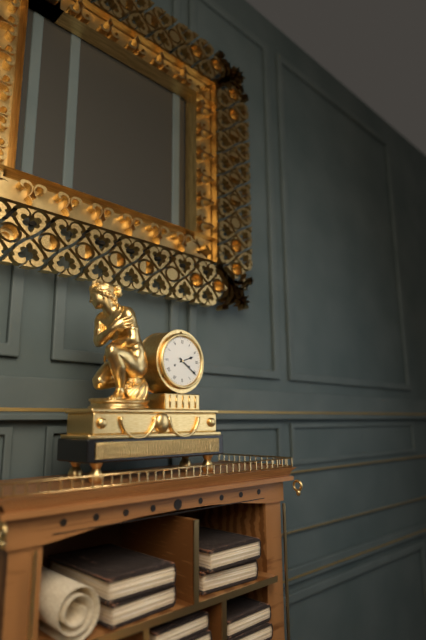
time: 2:21
